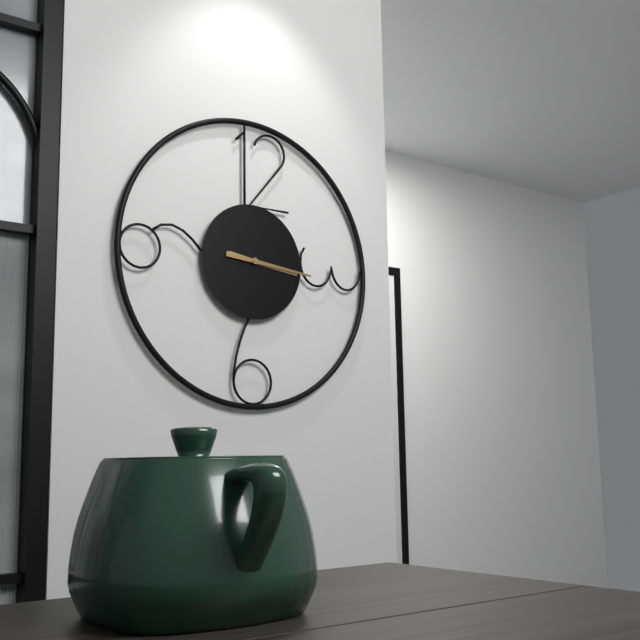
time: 3:16
